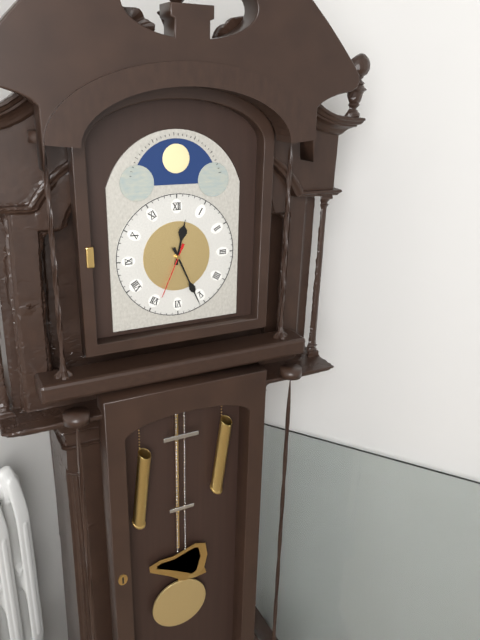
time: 12:26:34
